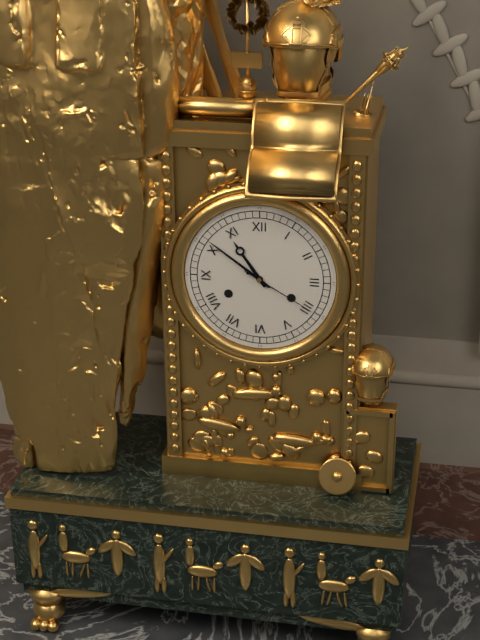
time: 10:51:20
